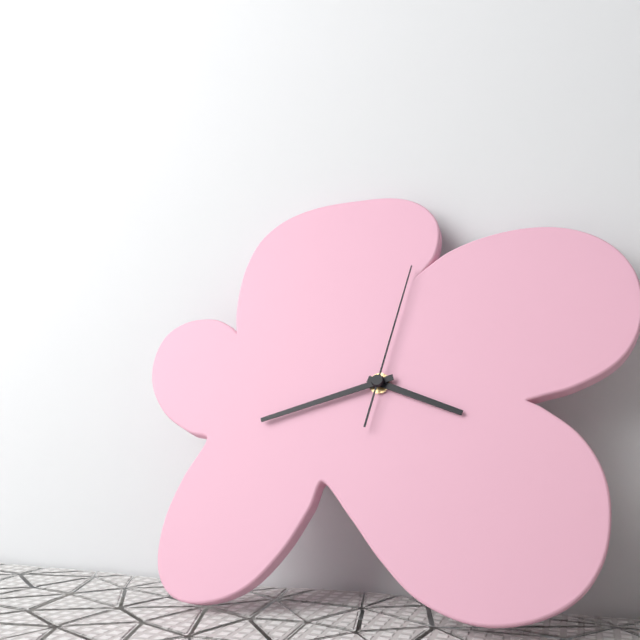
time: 3:42:02
